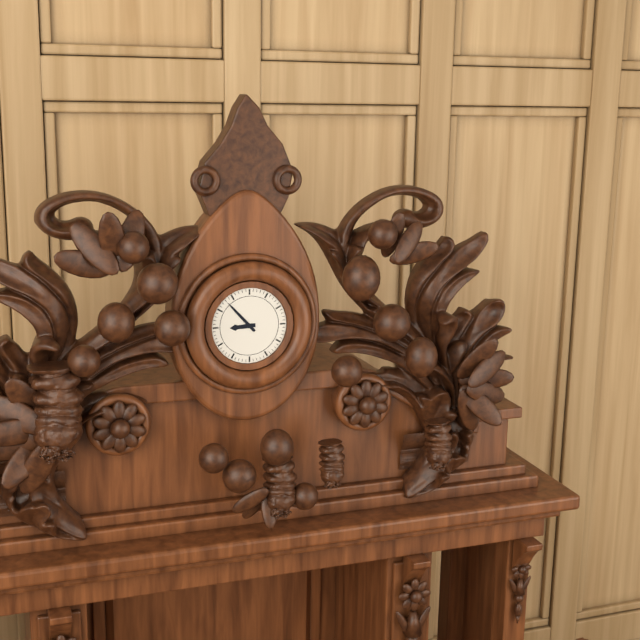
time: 8:53
